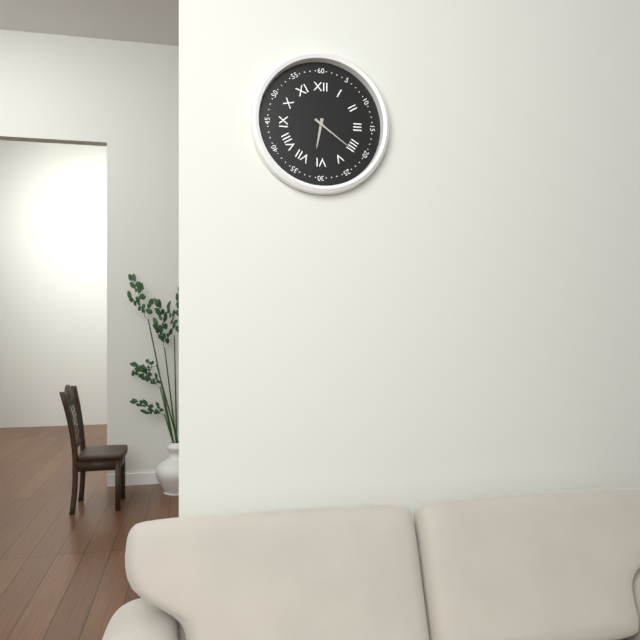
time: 6:21
